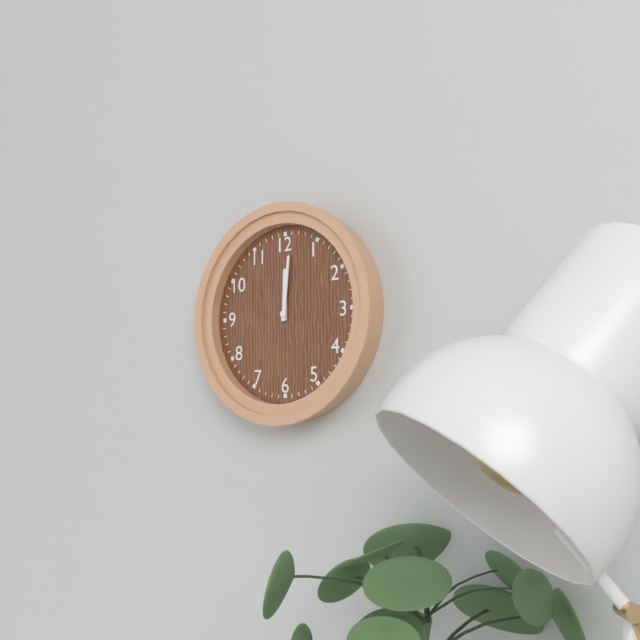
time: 12:01
